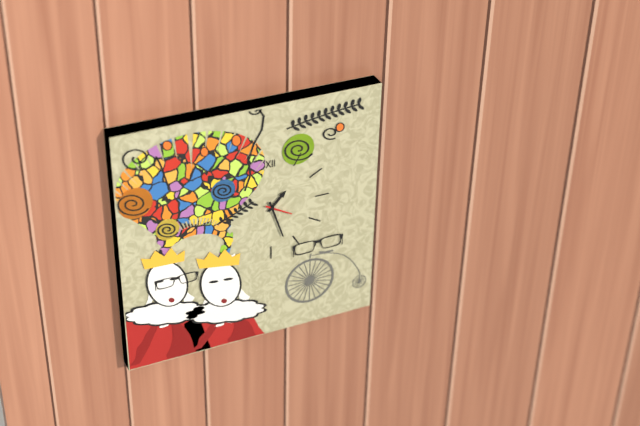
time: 1:27
